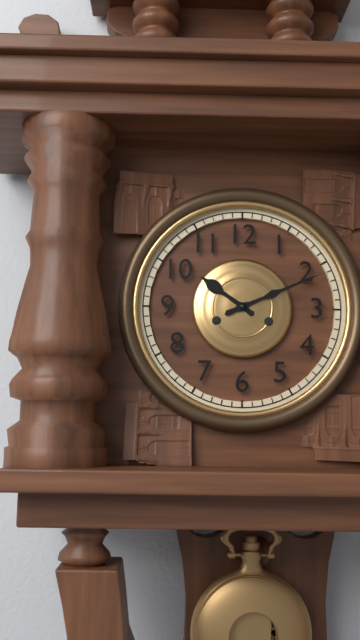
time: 10:11
